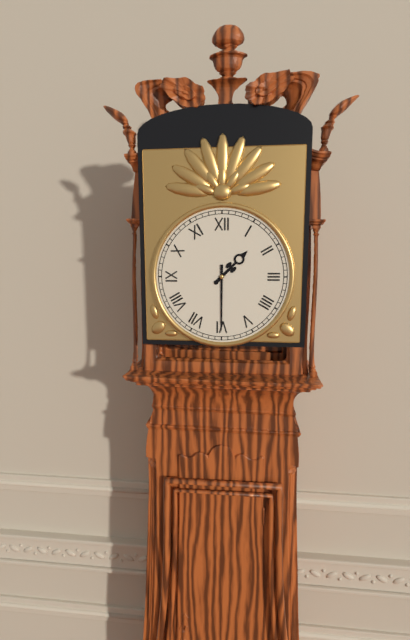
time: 1:30
